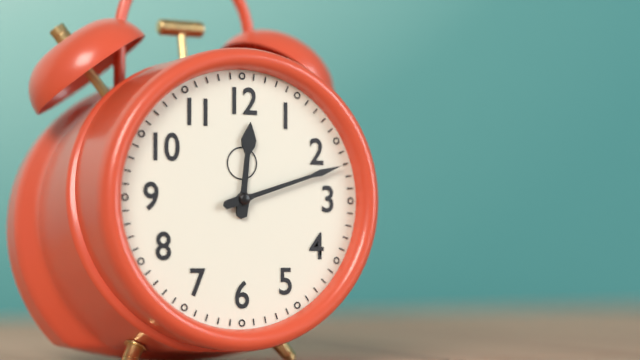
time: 12:12
